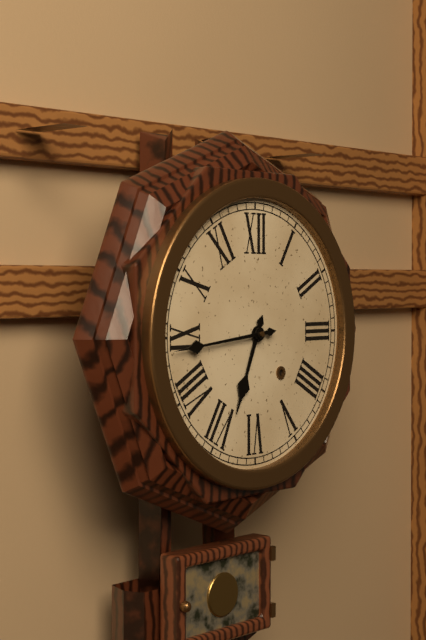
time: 6:44
